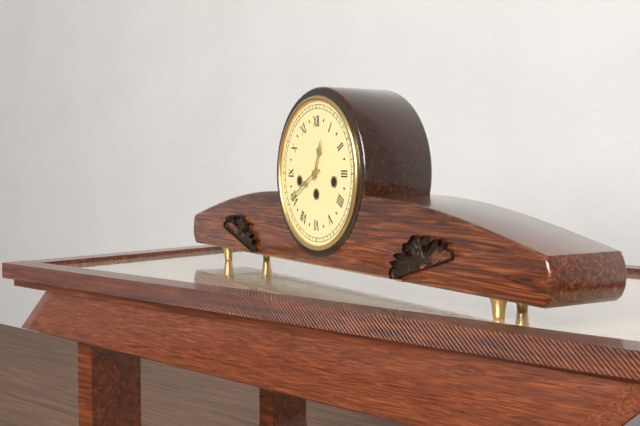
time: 12:40
